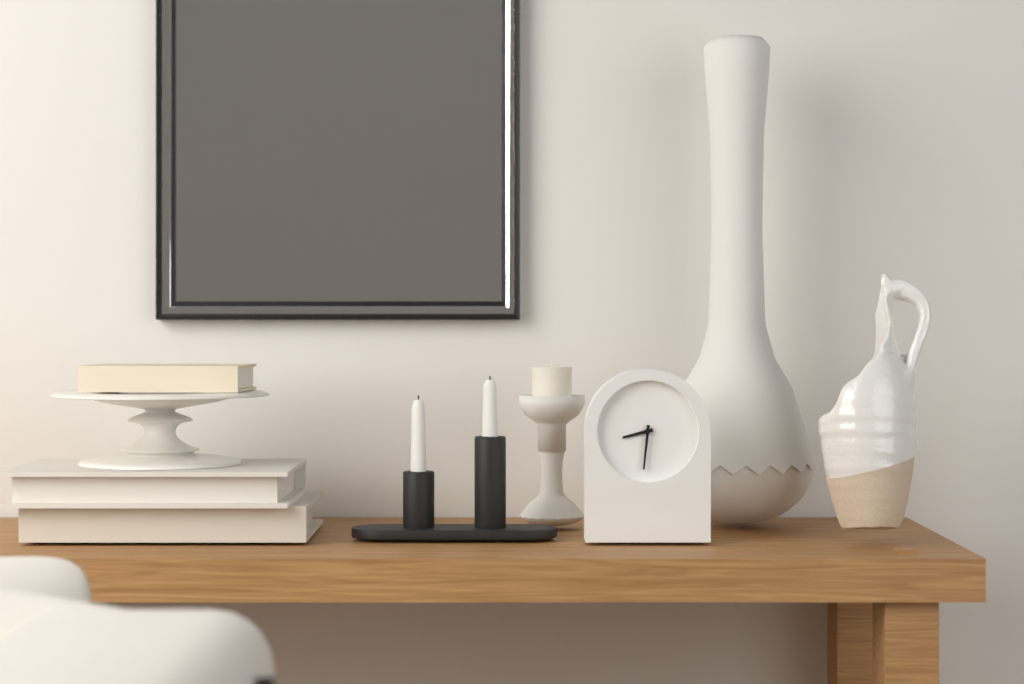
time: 8:31
